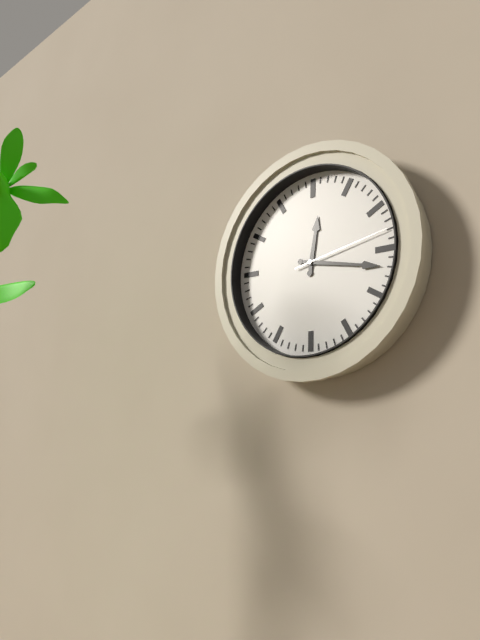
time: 12:17:13
